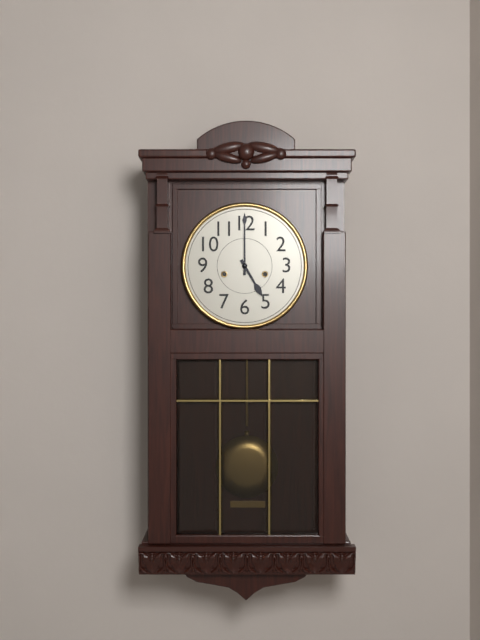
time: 5:00
